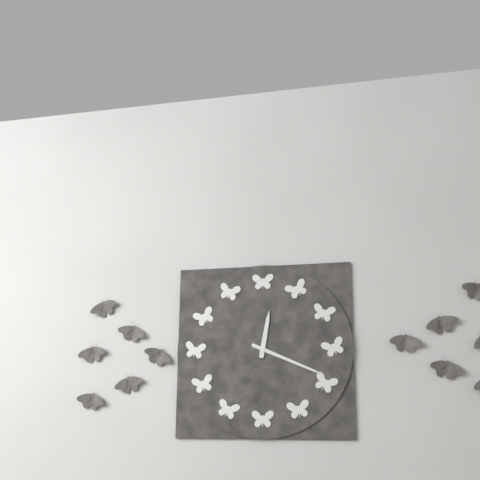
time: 12:19
